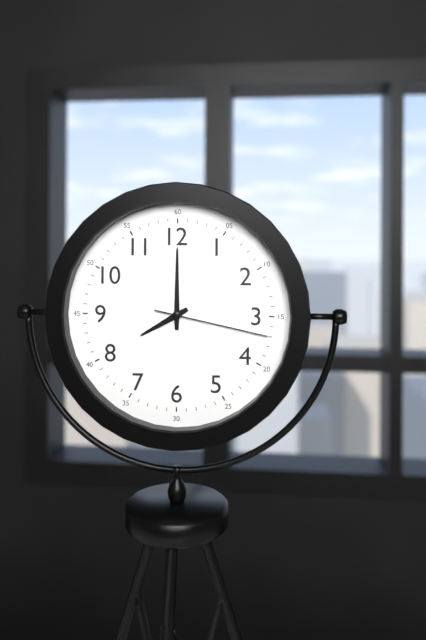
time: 8:00:17
